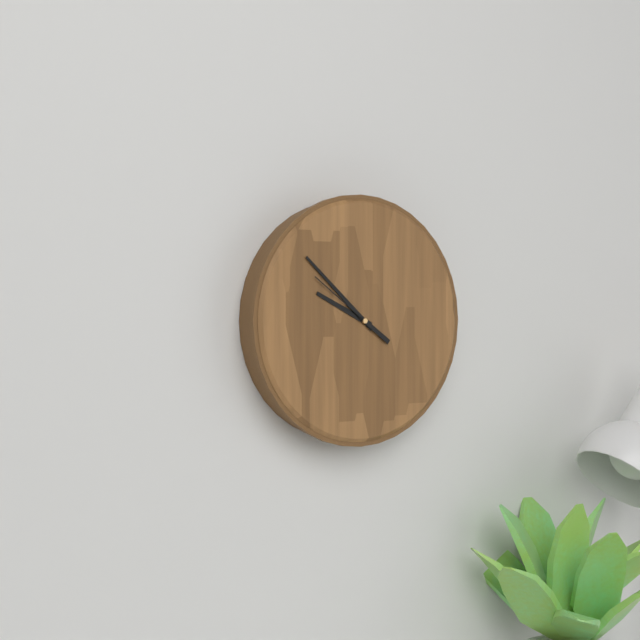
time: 9:52:51
